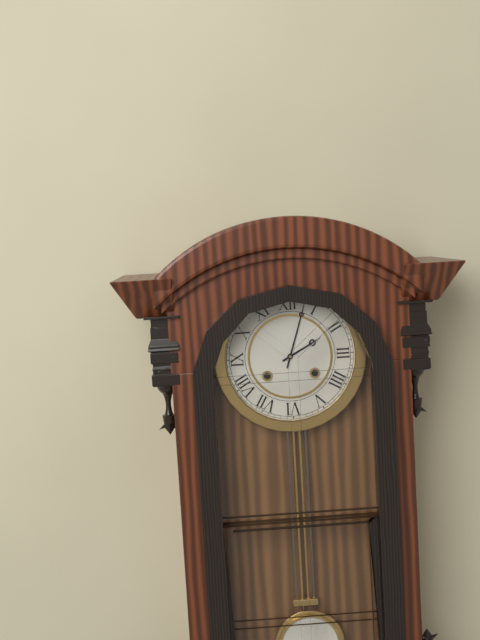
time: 2:03
